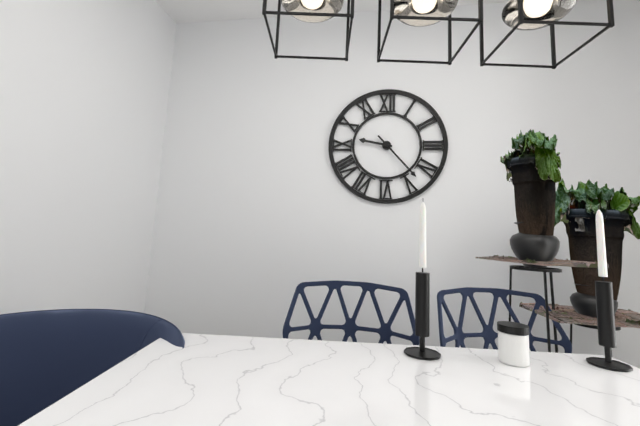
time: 9:23
